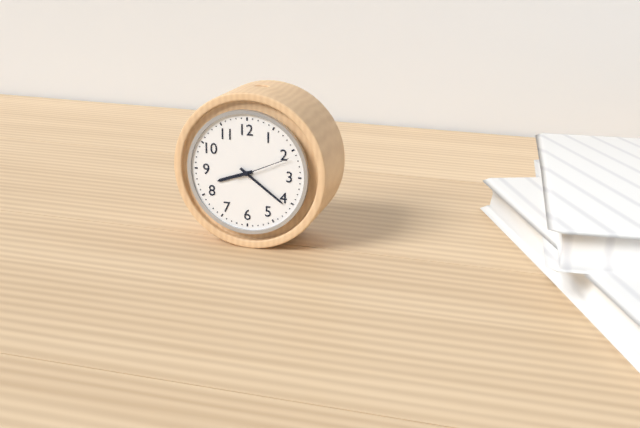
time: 8:21:11
